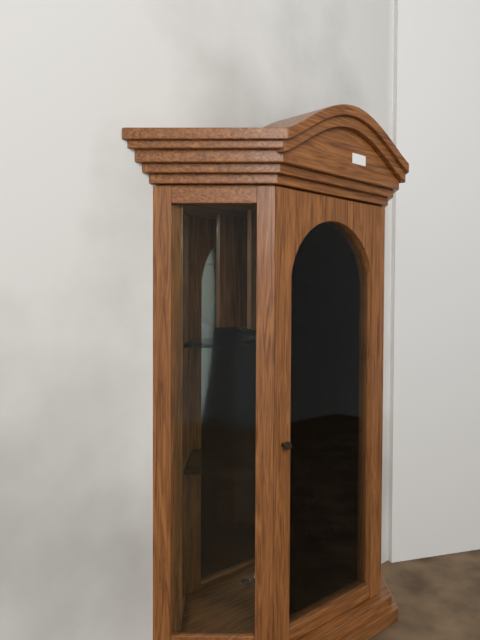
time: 8:37
